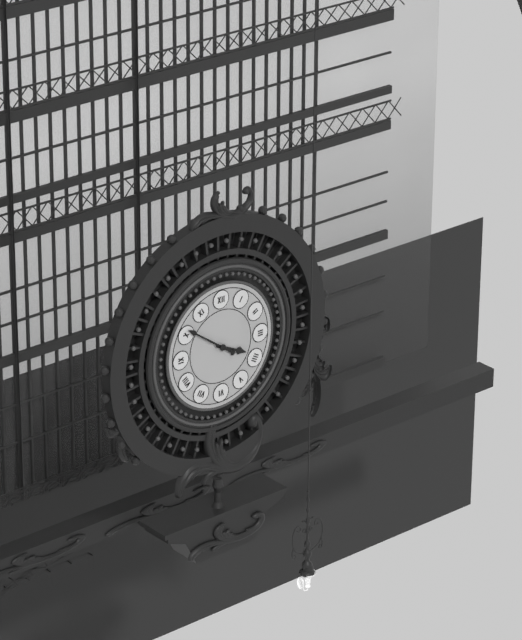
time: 3:51
